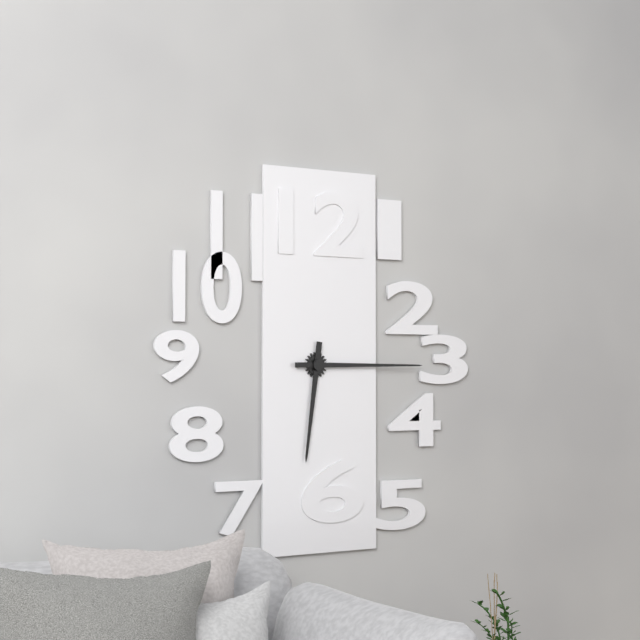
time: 6:15
